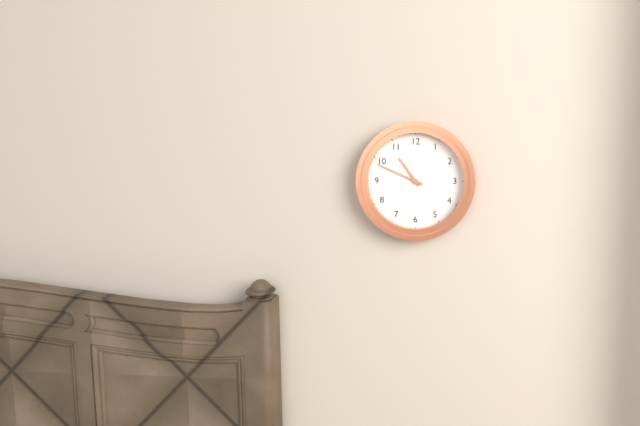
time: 10:49
